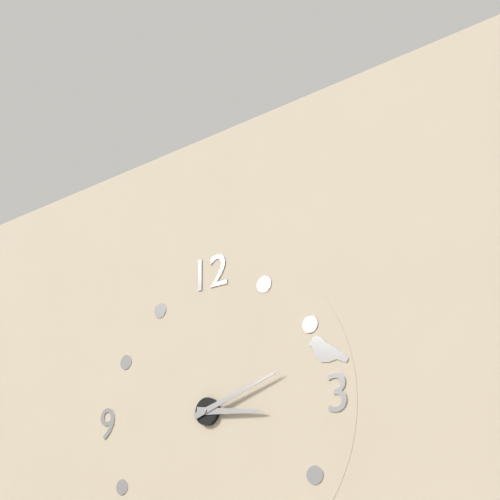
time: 3:12
